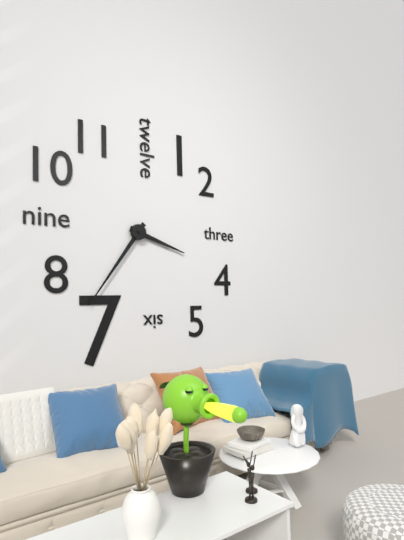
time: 3:36
